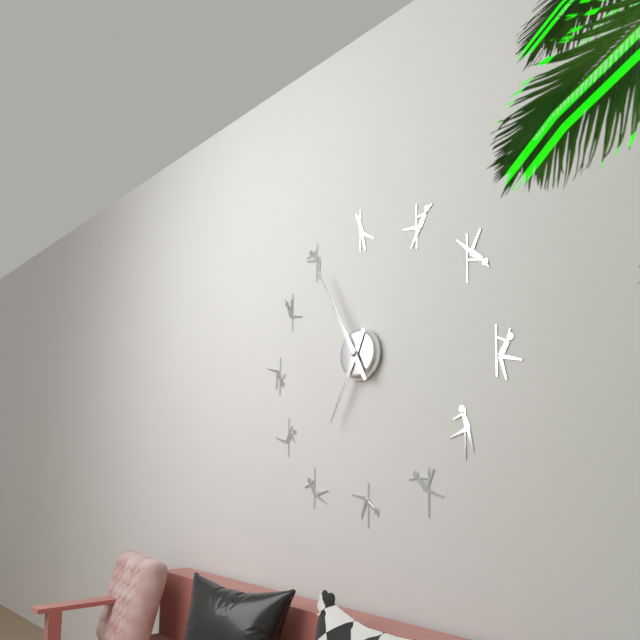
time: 6:55
